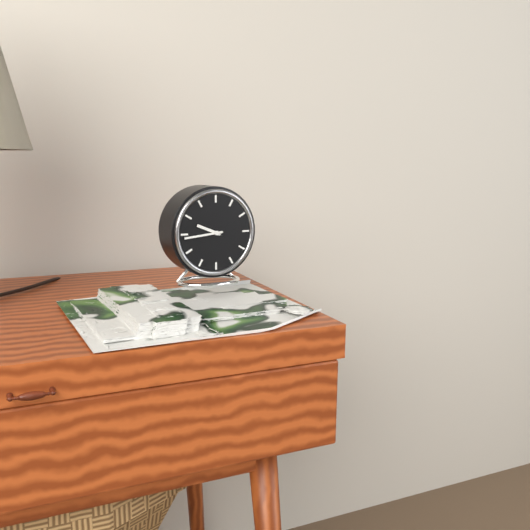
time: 9:44
